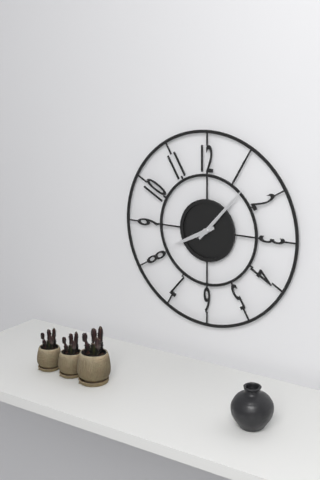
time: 8:07
